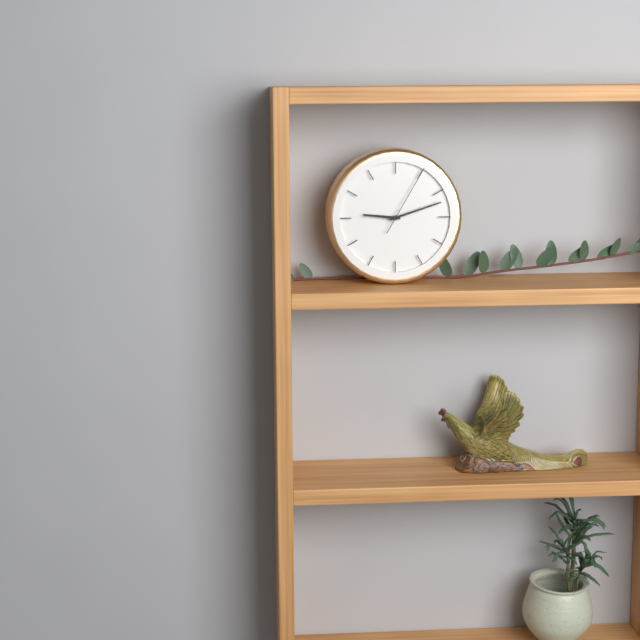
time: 9:12:05
